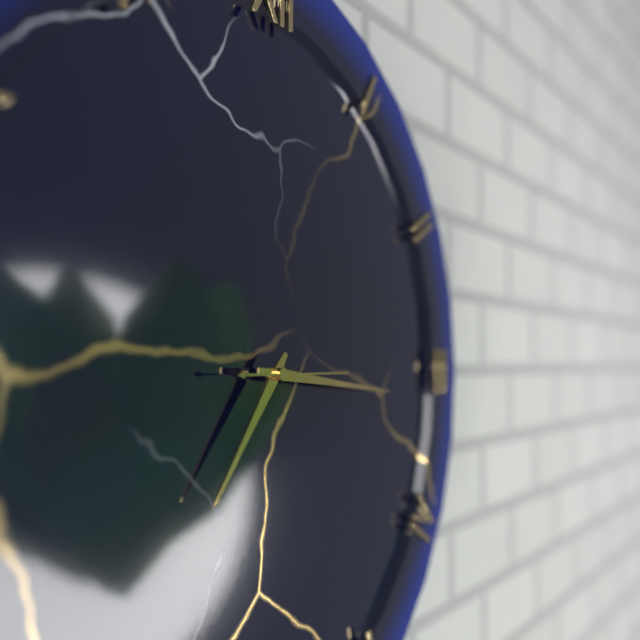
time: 7:16:15
